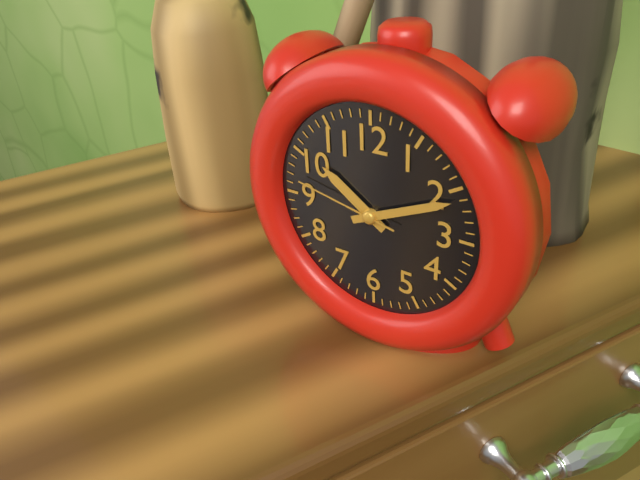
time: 10:11:47
